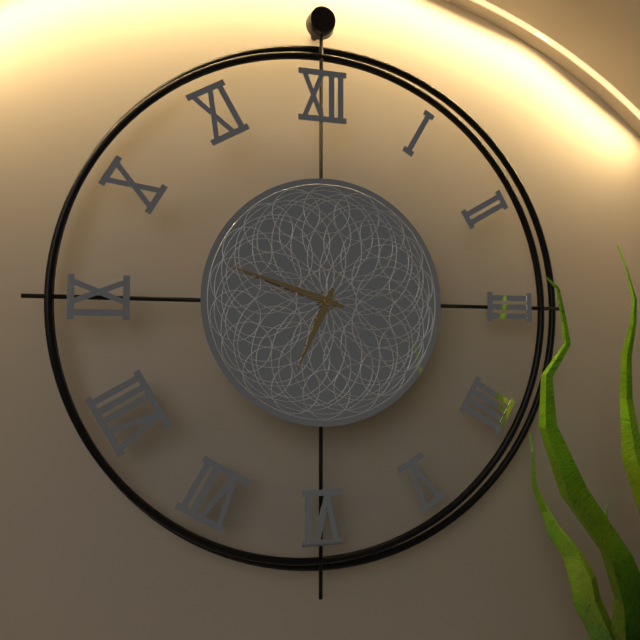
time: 6:48
